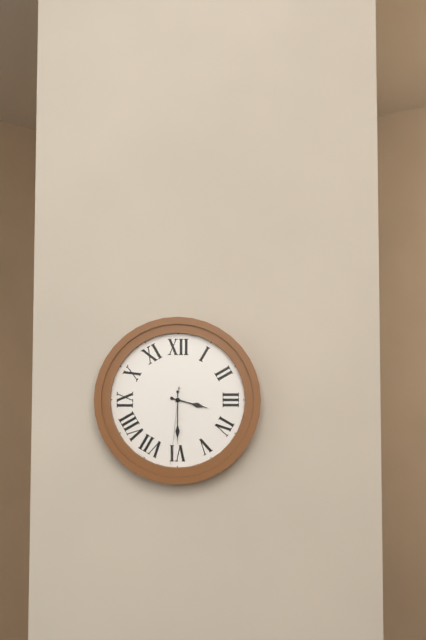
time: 3:30:31
